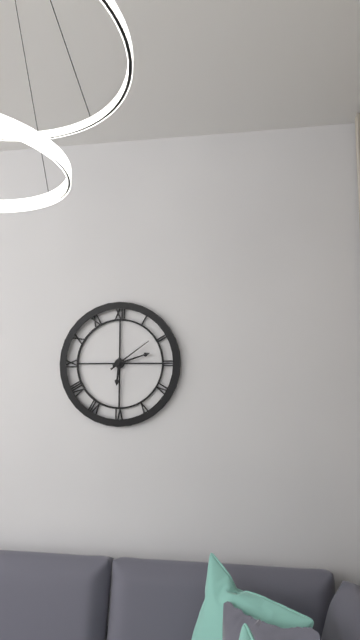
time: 6:12
